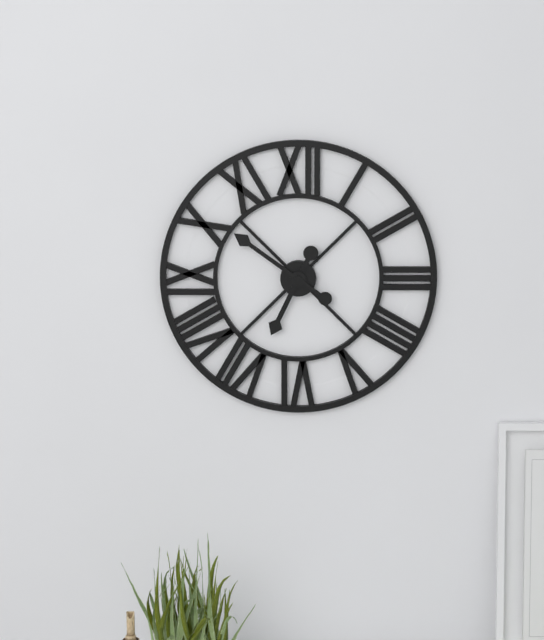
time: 6:51
